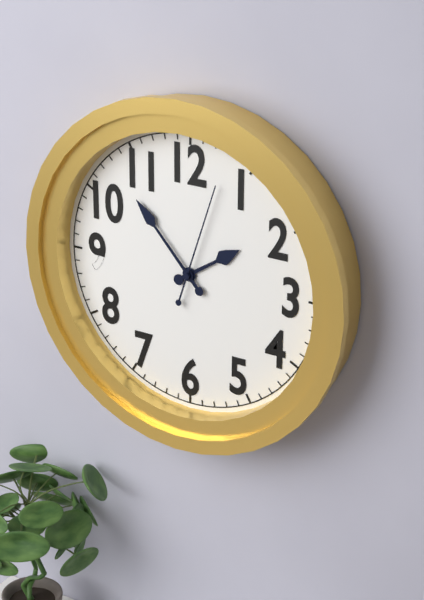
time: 1:53:03
